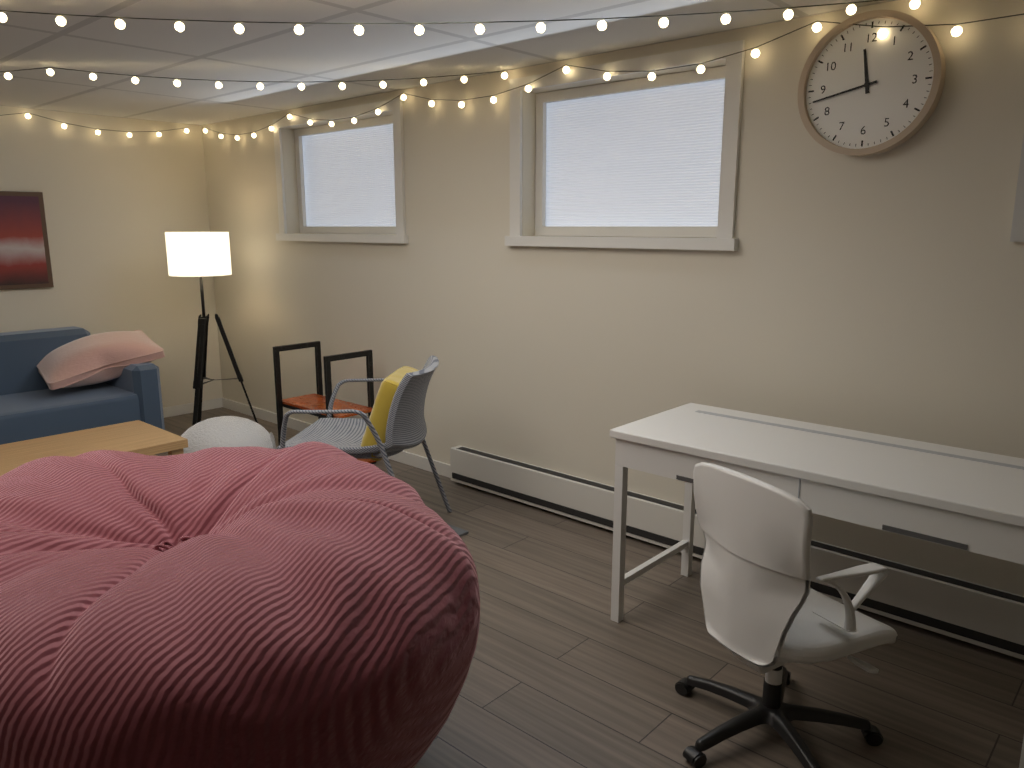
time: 11:43
